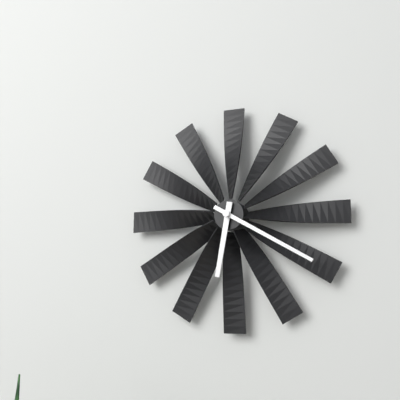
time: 6:20
